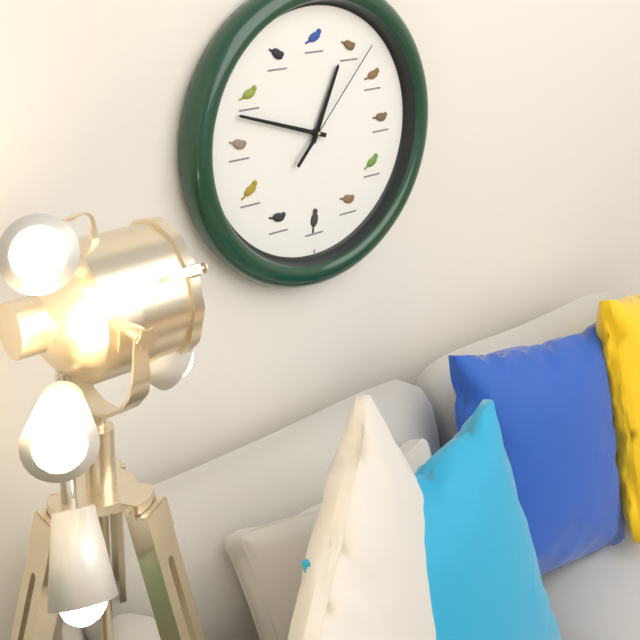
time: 12:48:07
